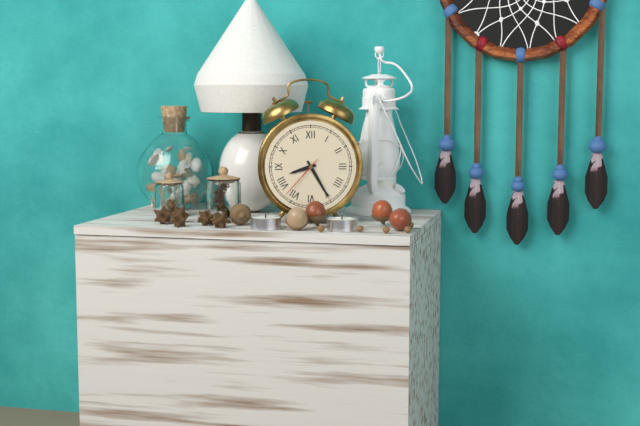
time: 8:25:37
